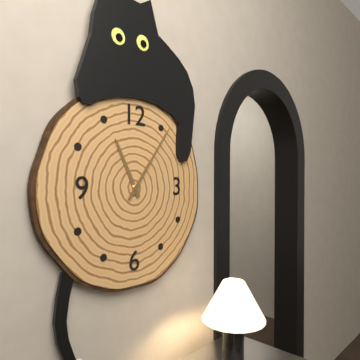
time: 11:06
